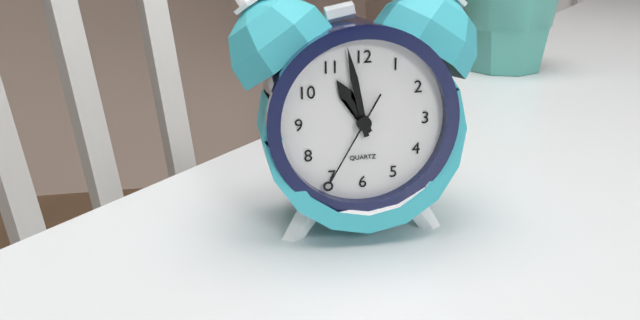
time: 10:58:35
